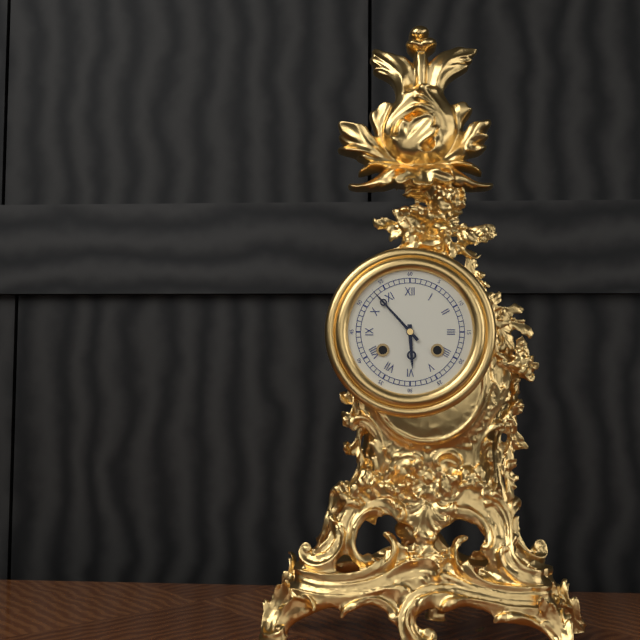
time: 5:53
